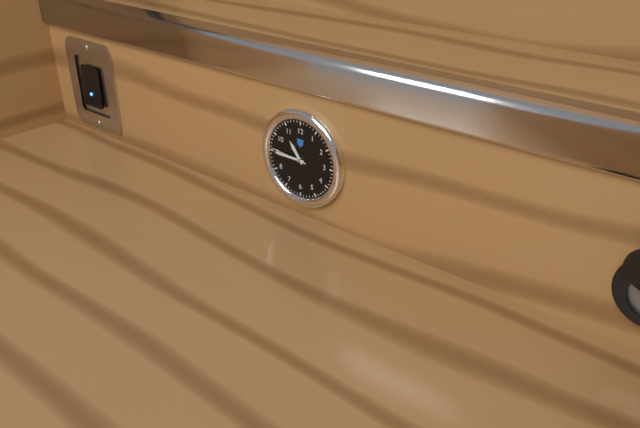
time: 10:45
